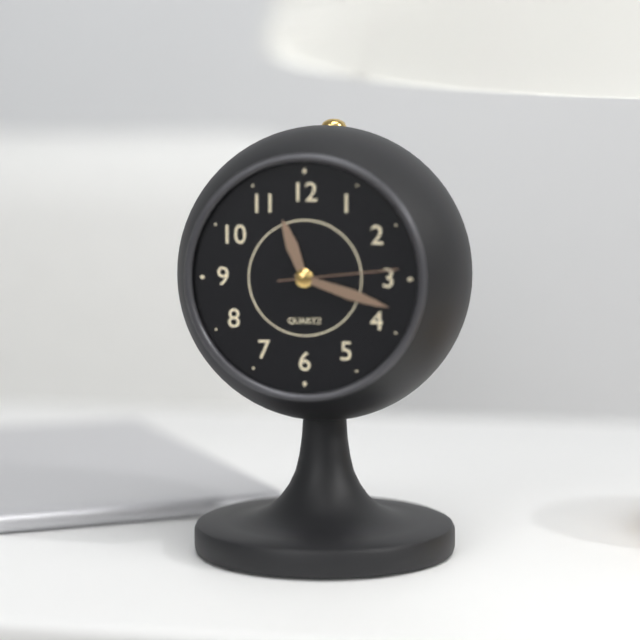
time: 11:18:14
